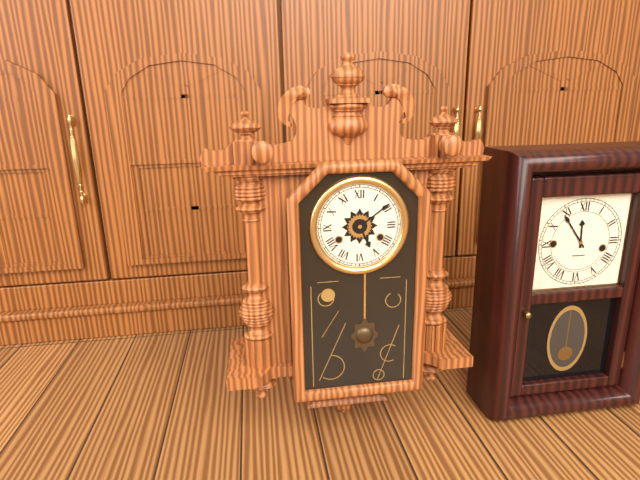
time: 5:09
